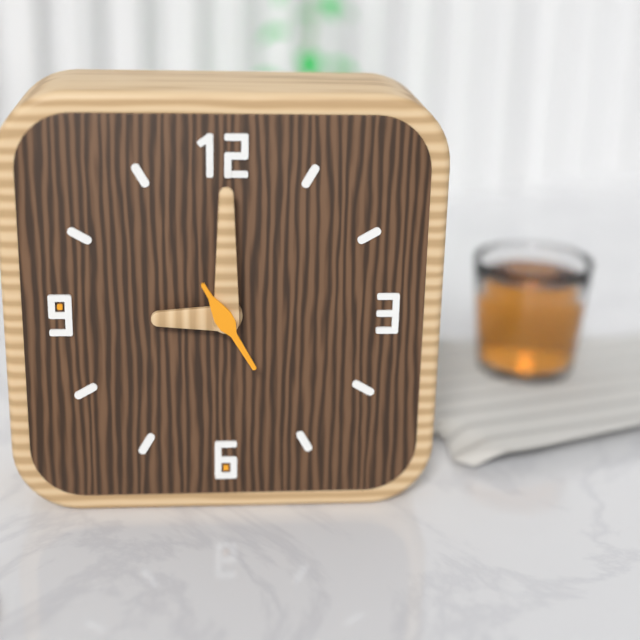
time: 9:00:25
